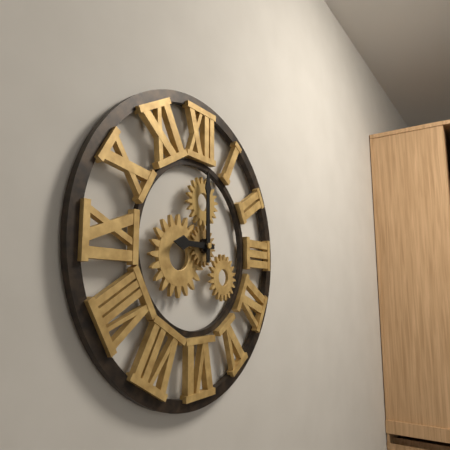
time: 9:00
